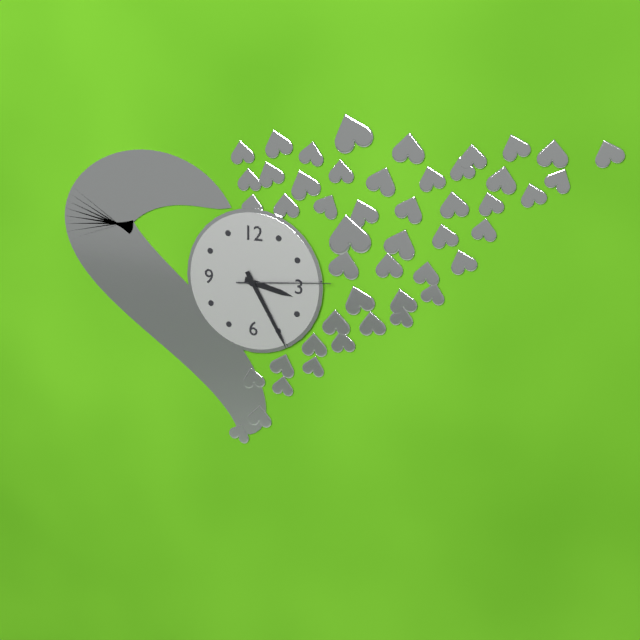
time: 3:25:14
